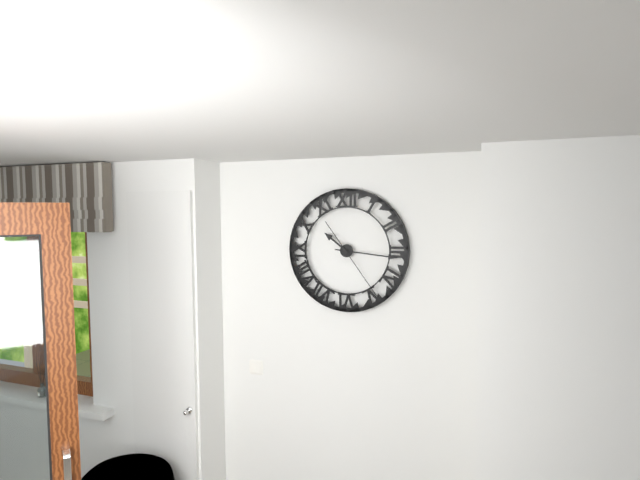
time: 10:16:24
